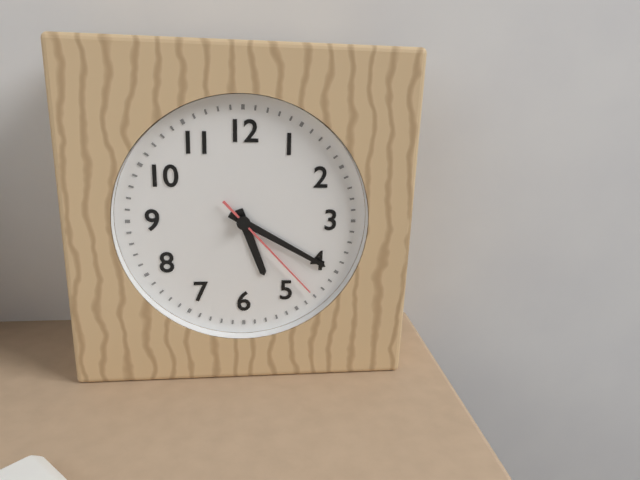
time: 5:20:23
